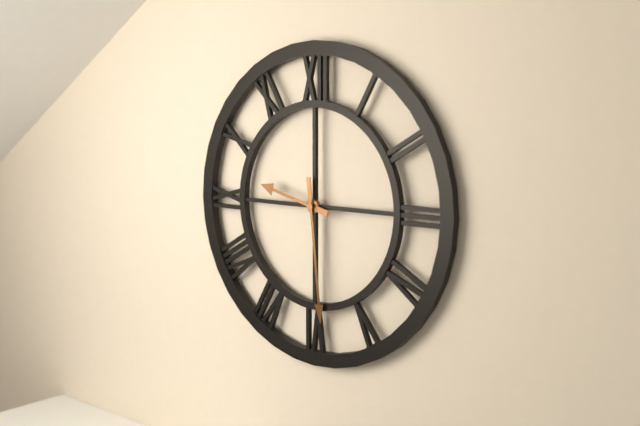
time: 9:29
